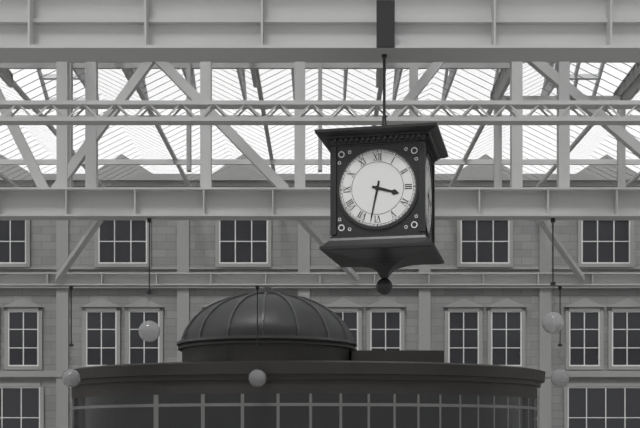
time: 3:32
